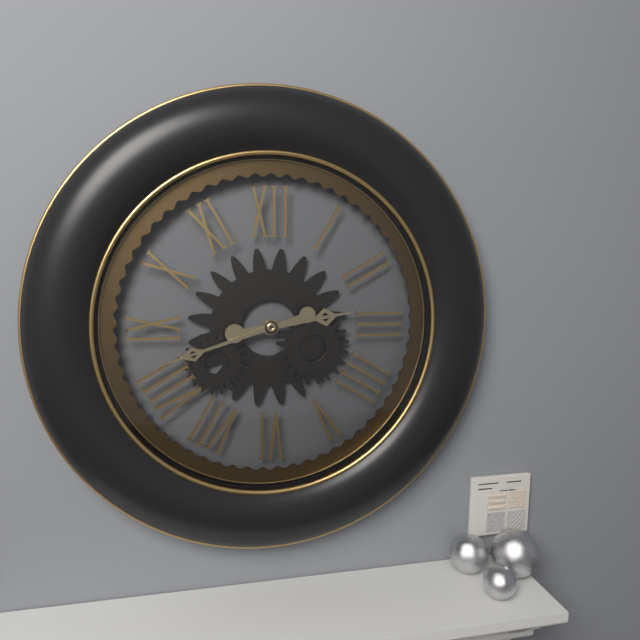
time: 2:42
